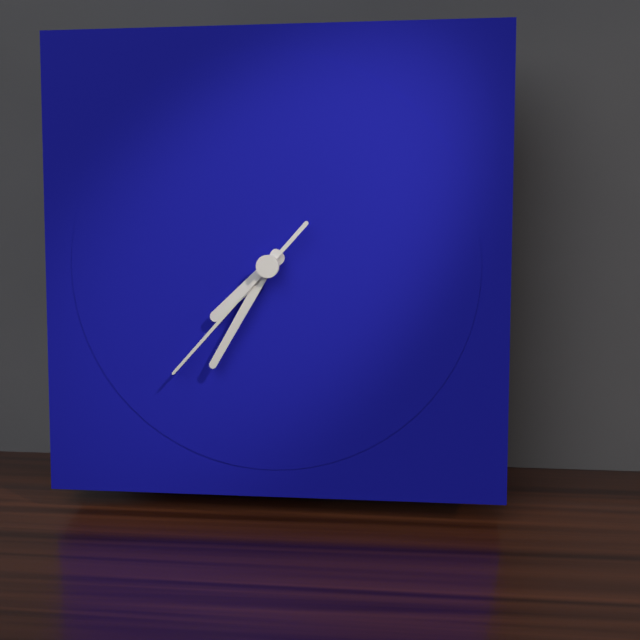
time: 7:35:37
